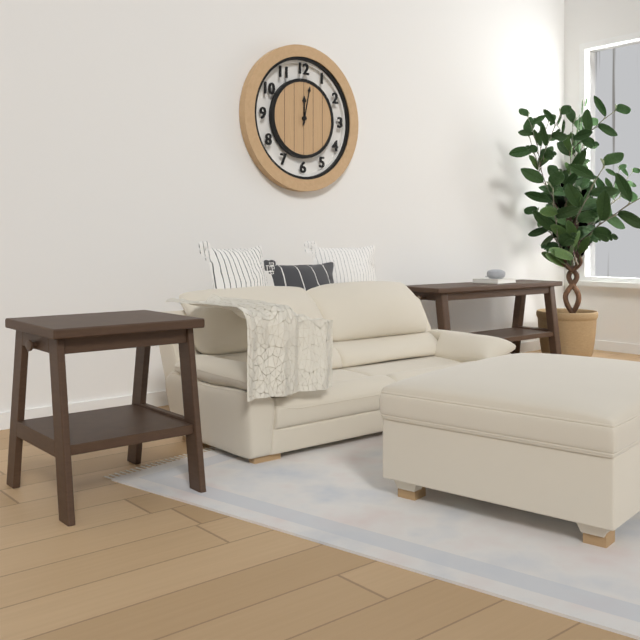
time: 12:02
